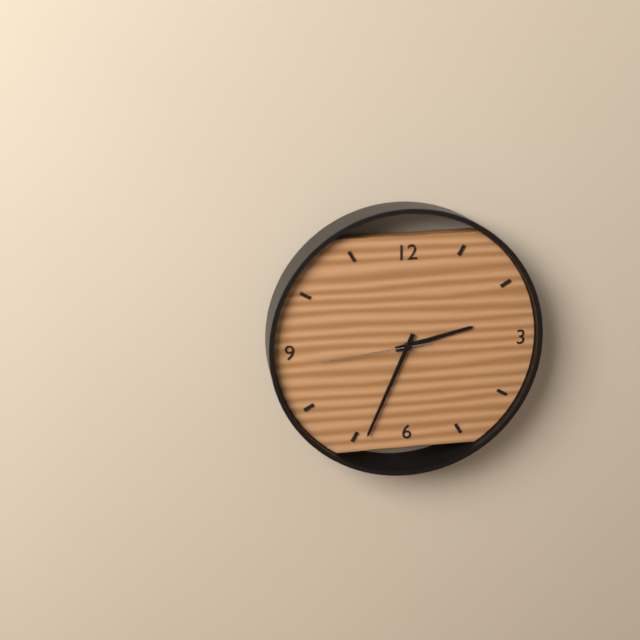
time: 2:34:44
